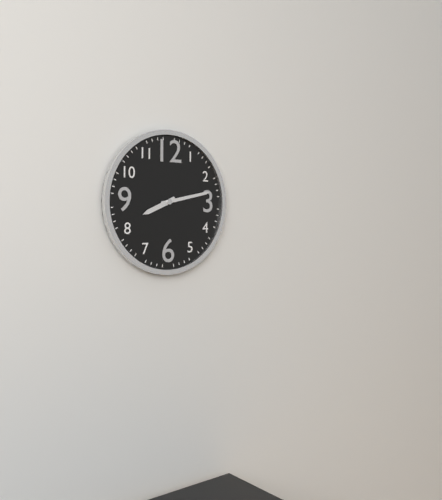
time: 8:13
